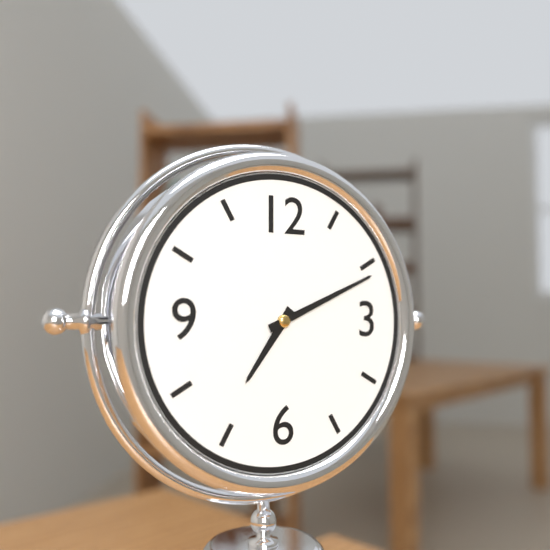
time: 7:11
